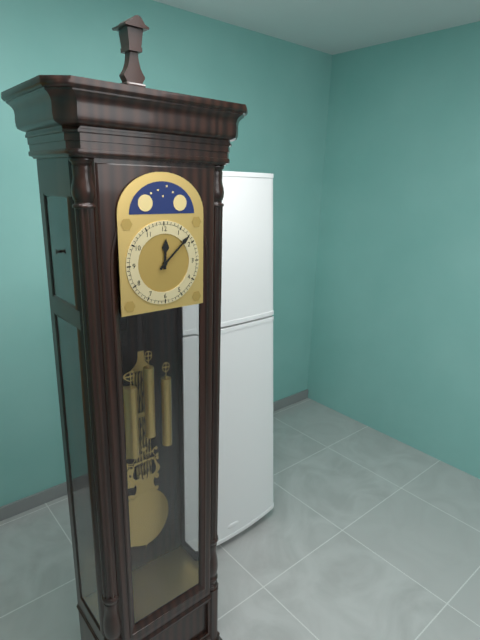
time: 12:08
